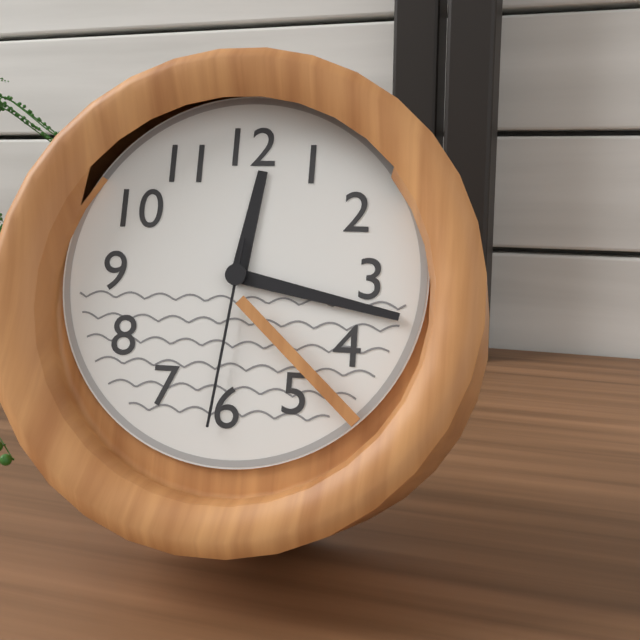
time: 12:17:31
